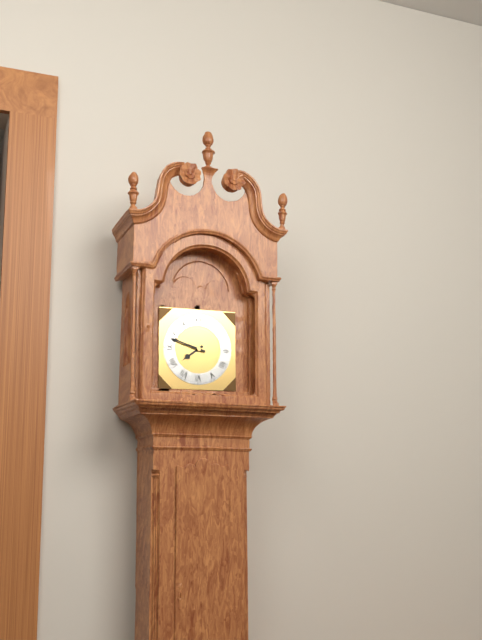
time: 7:48
